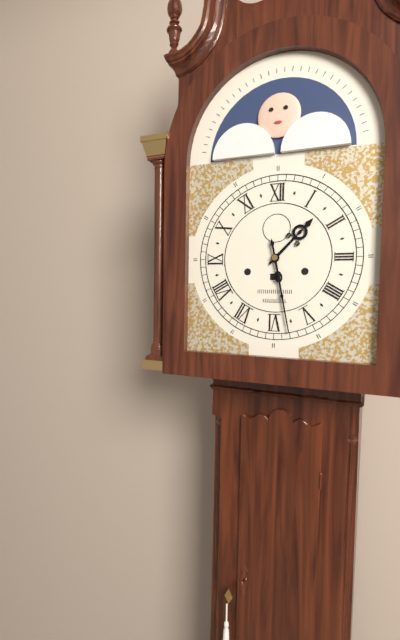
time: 1:28
